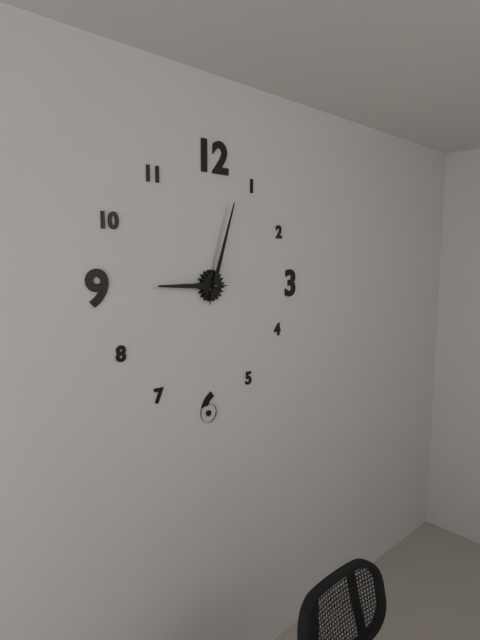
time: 9:03
